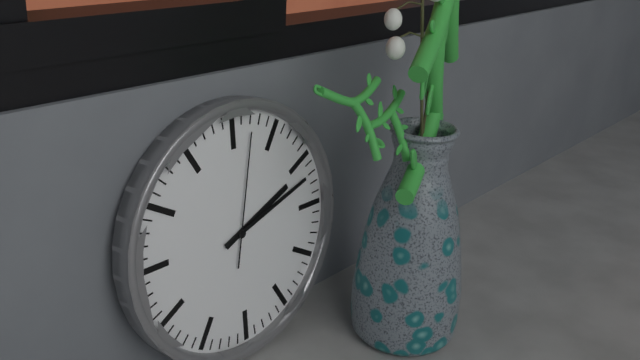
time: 2:12:02
